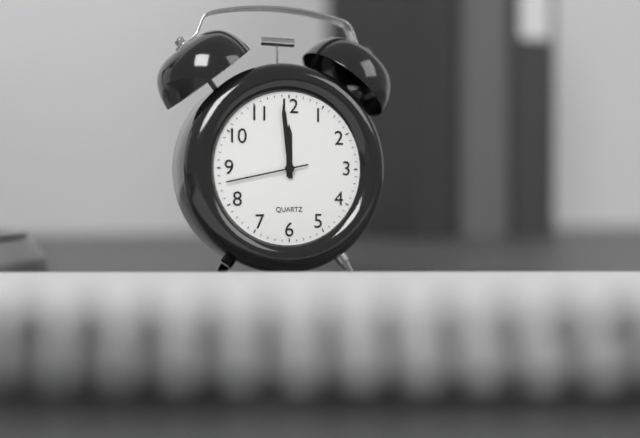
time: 11:59:43
